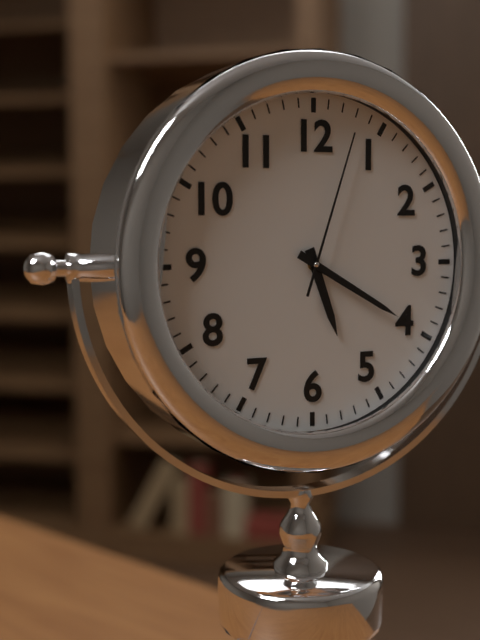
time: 5:20:03
